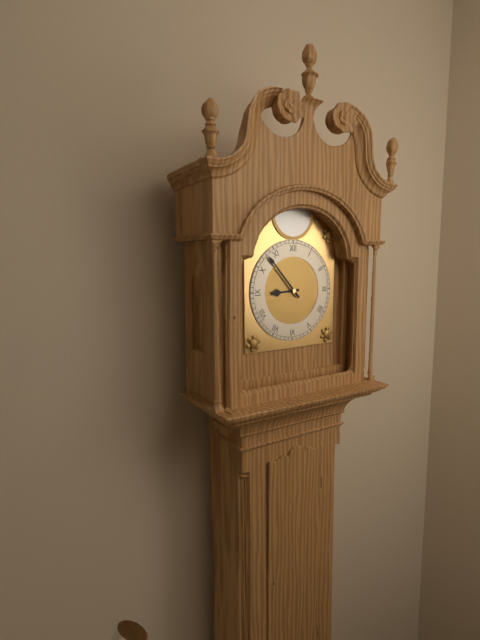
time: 8:53
